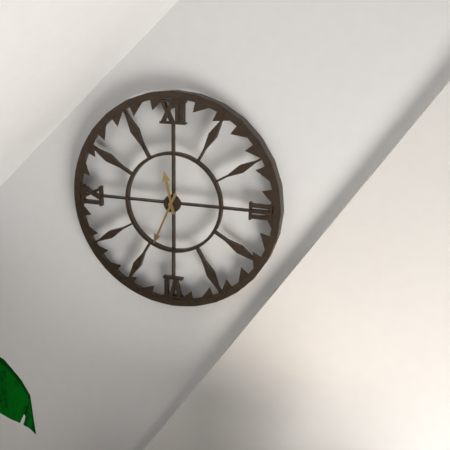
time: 11:34
